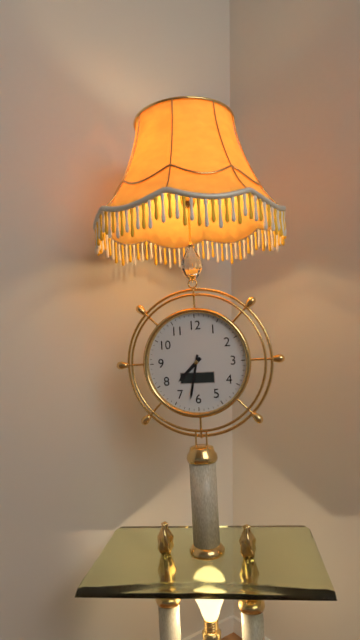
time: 7:32
